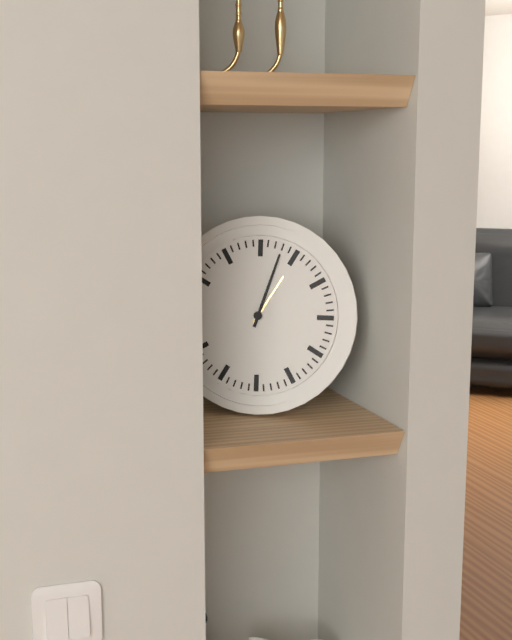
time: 1:03
